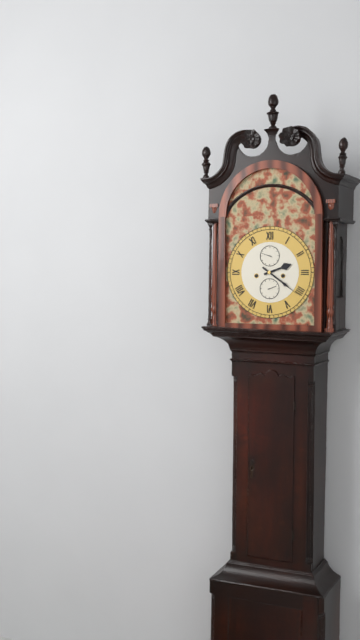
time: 2:21
